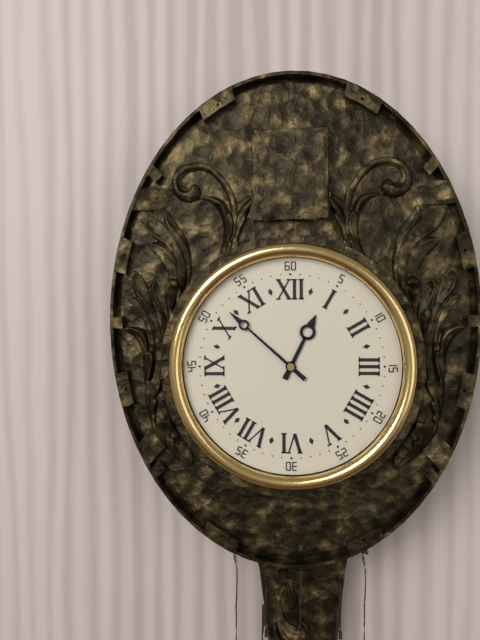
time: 12:52
